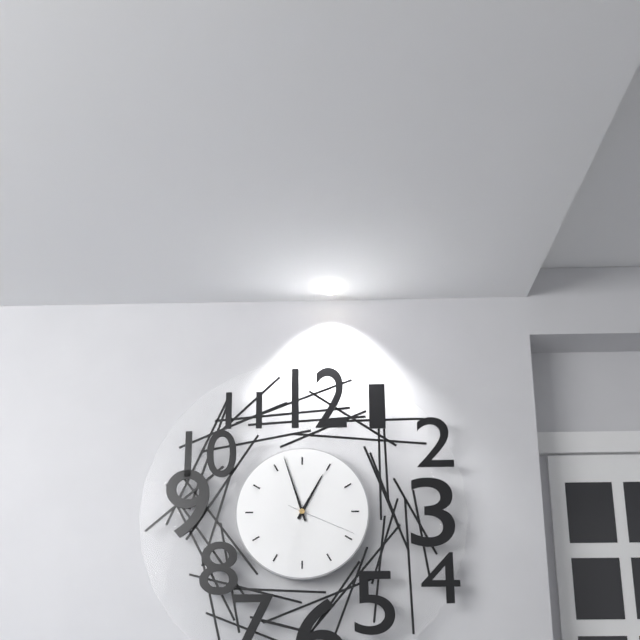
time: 12:57:19
